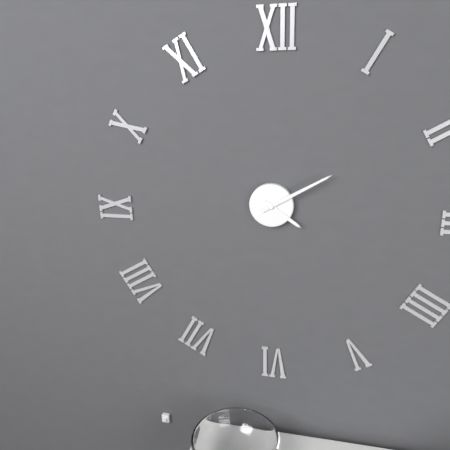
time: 4:10
